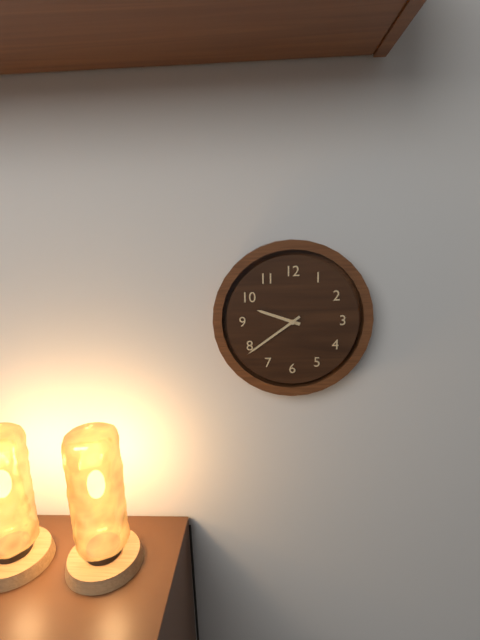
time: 9:39
